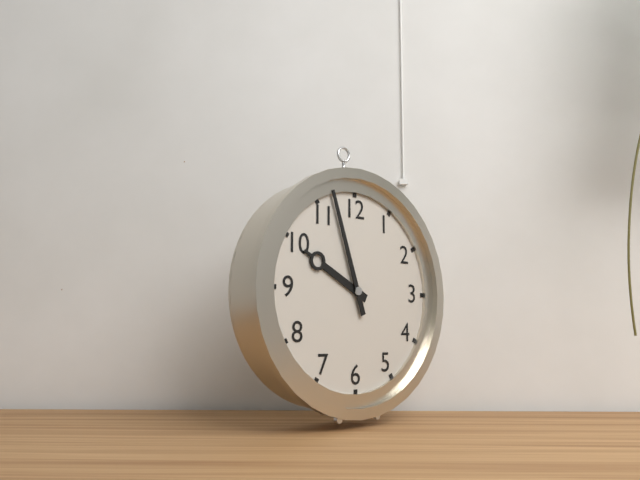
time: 9:57
